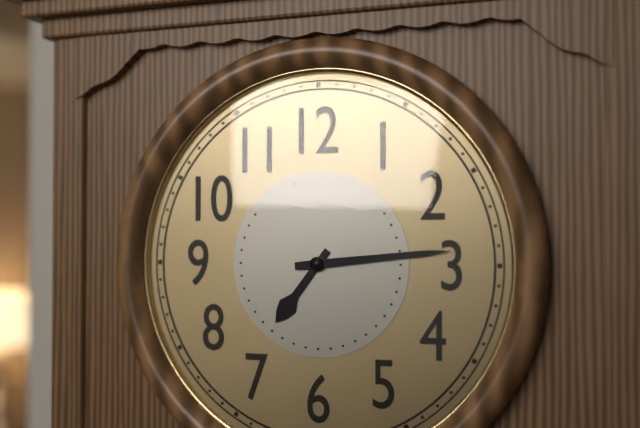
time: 7:14
